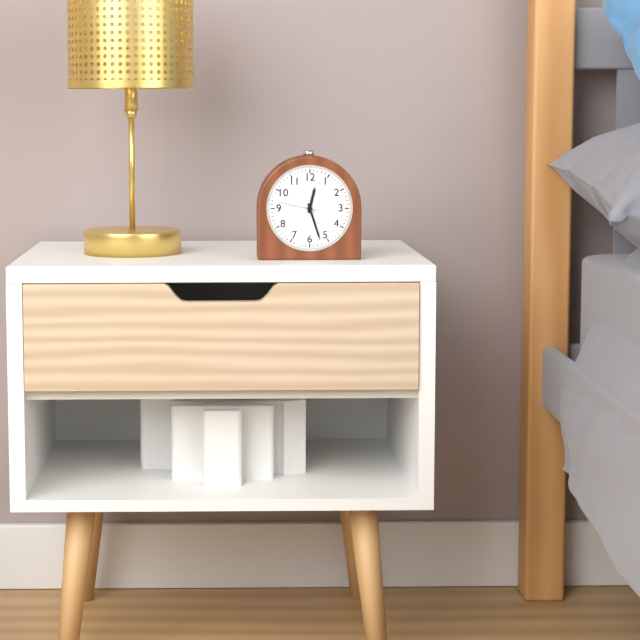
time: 12:27
